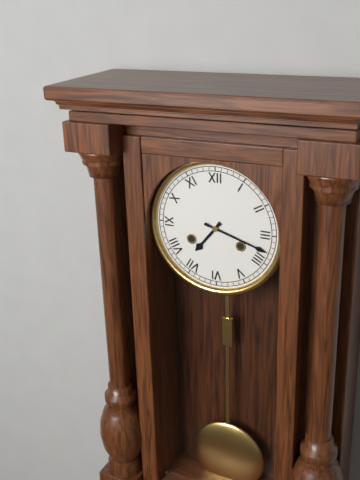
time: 7:18
